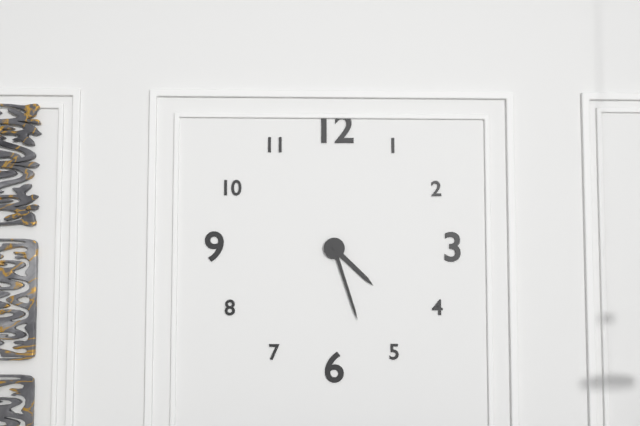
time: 4:27
